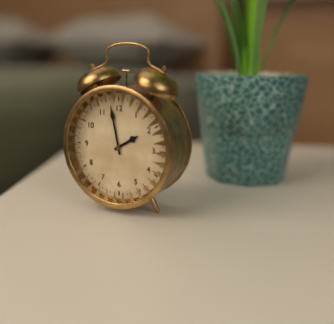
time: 1:58
